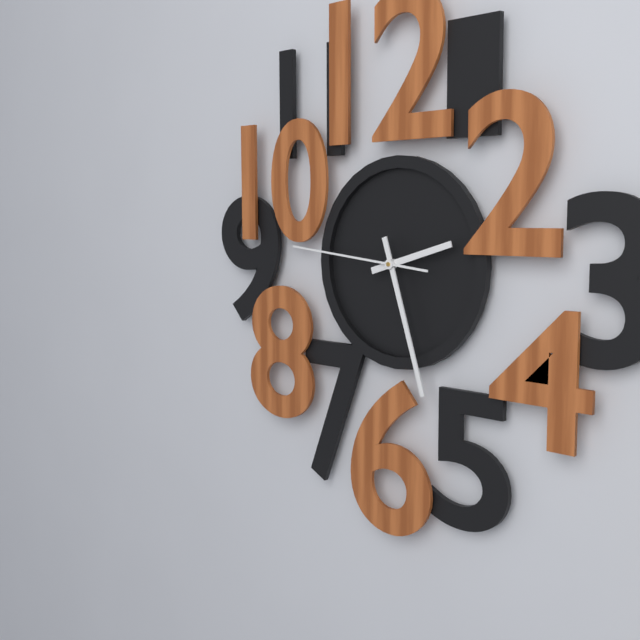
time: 2:27:46
